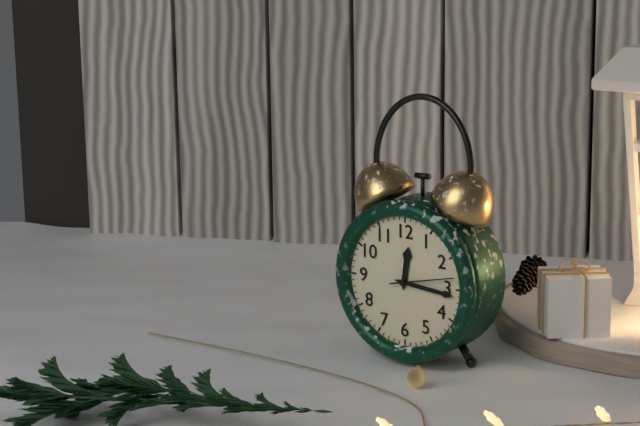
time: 12:16:13
